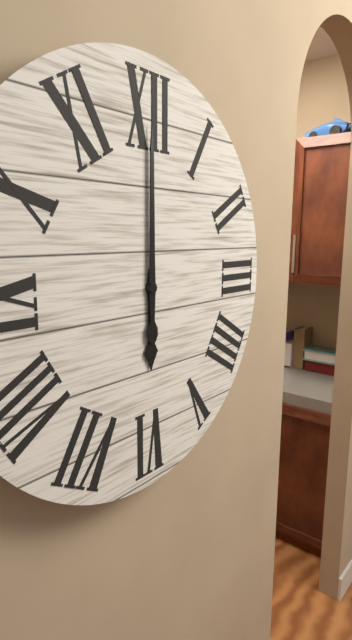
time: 6:00
